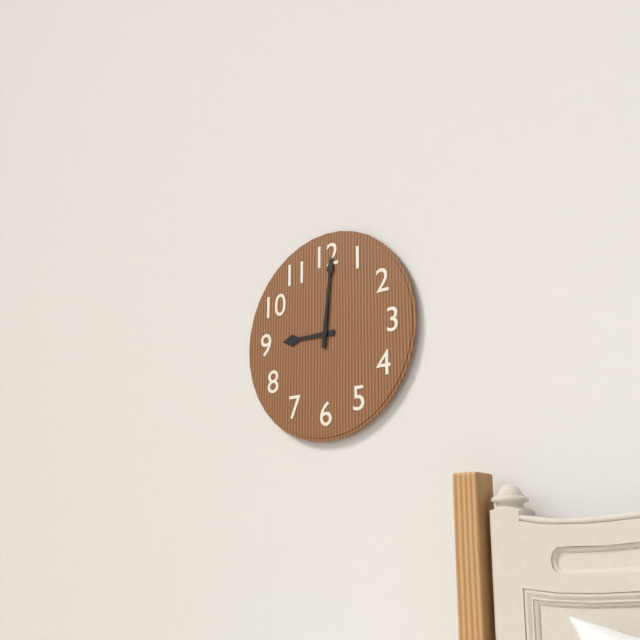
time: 9:01
